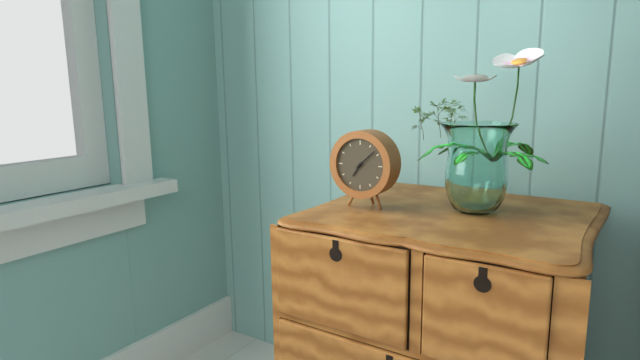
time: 7:08
